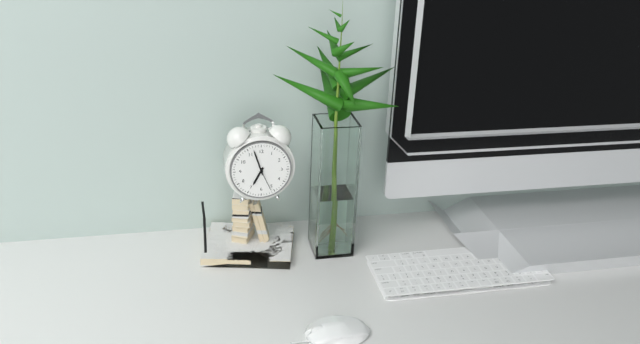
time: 6:57
